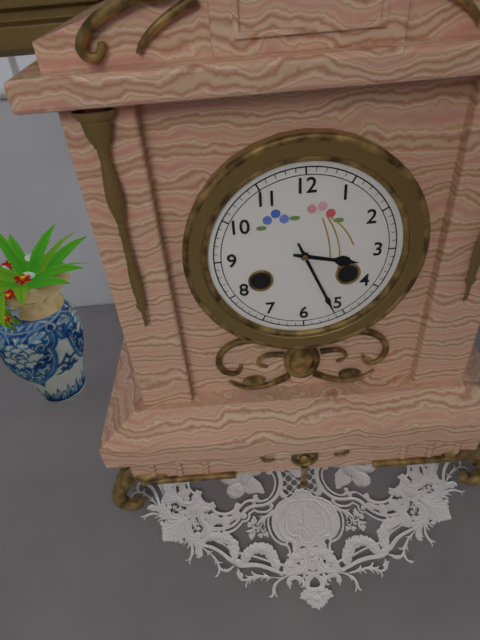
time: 3:26
